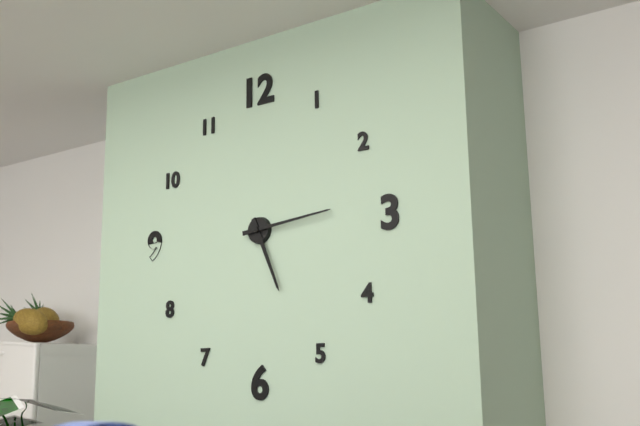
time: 5:14
